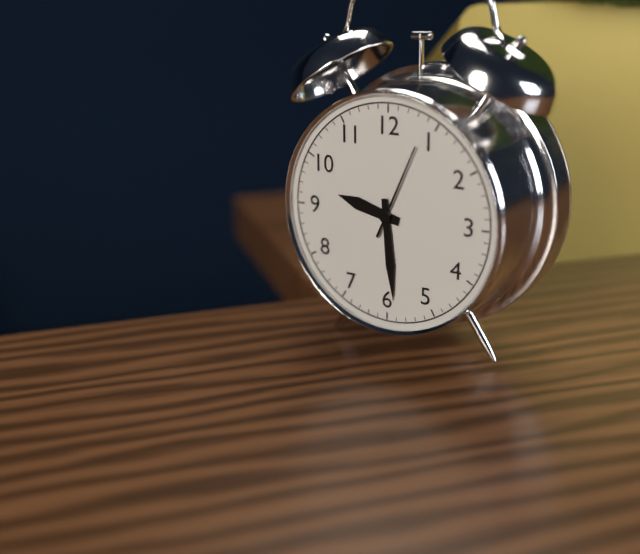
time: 9:29:04
